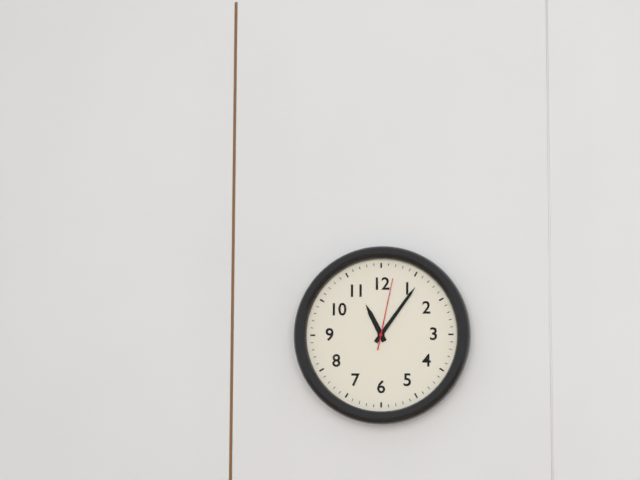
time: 11:06:02
